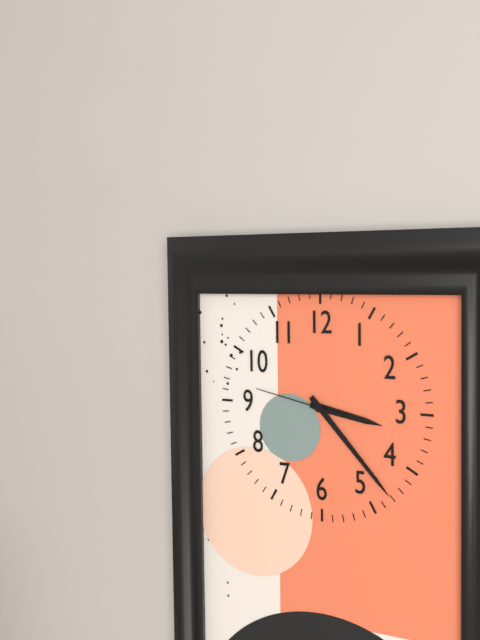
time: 3:23:47
